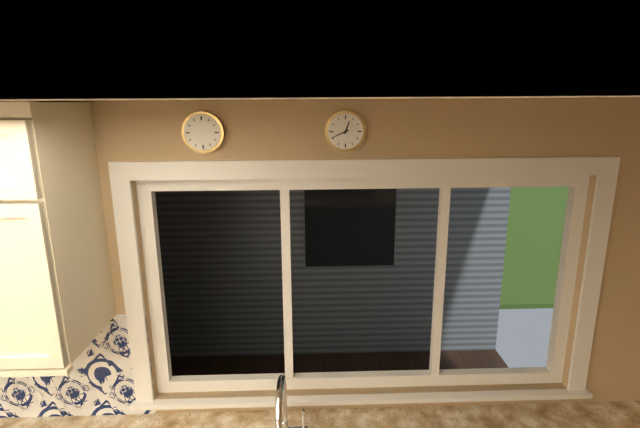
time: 12:41
